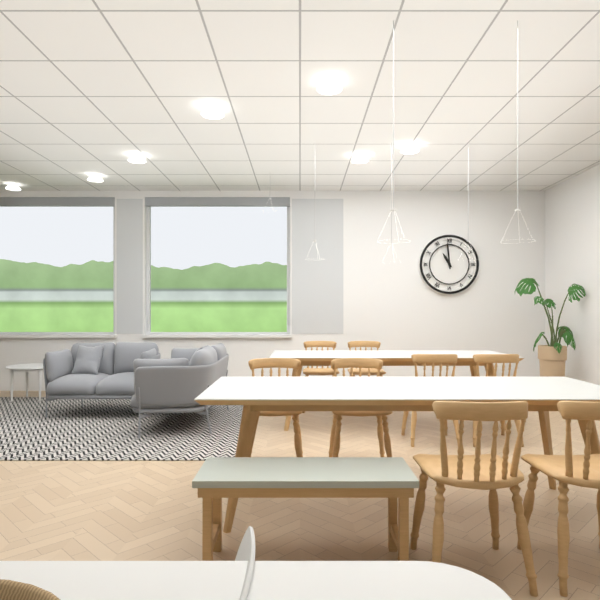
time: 10:59
